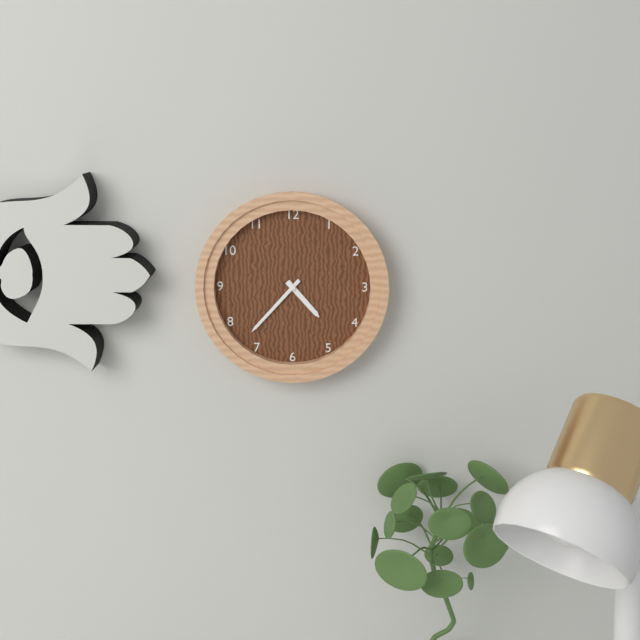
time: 4:37
